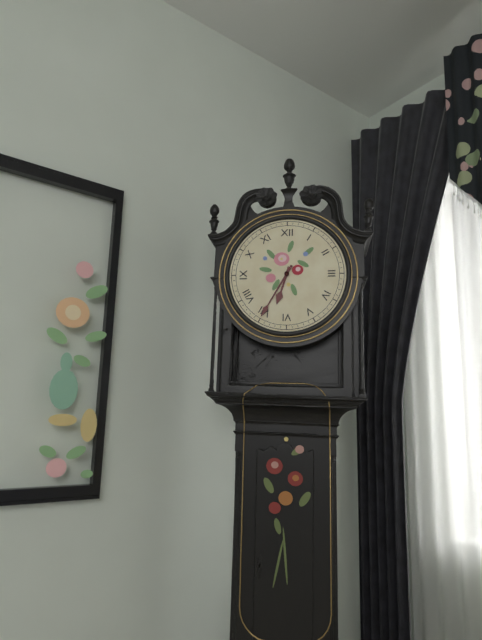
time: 6:35
